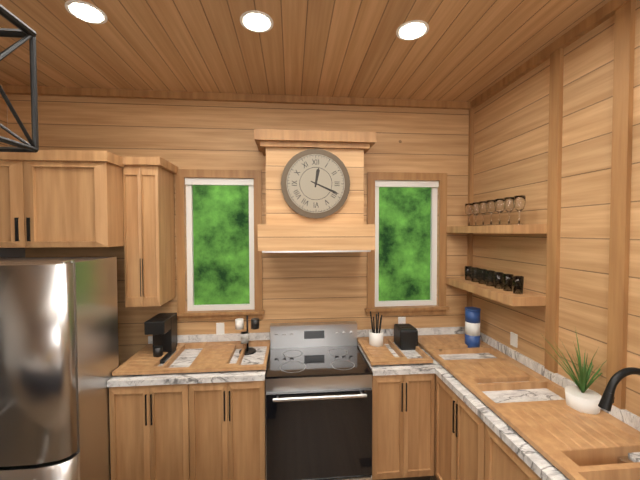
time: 12:19
